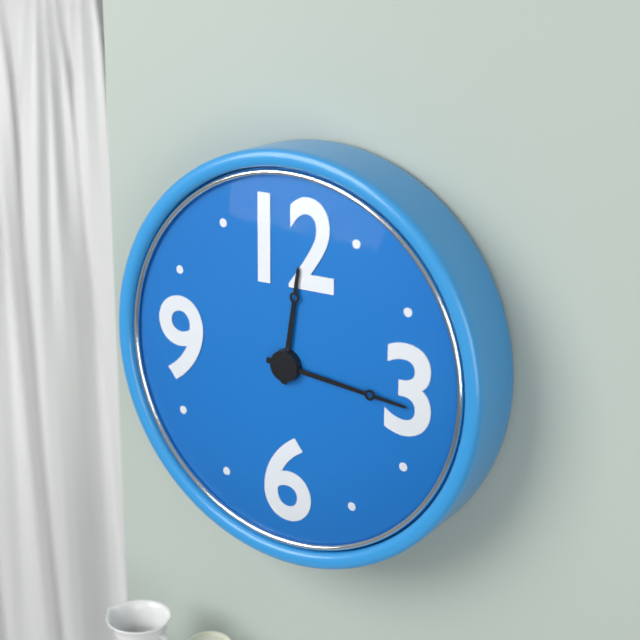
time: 12:16
